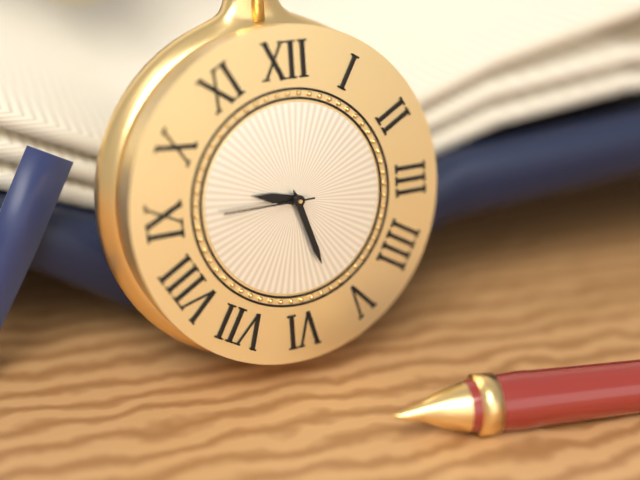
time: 9:27:45
